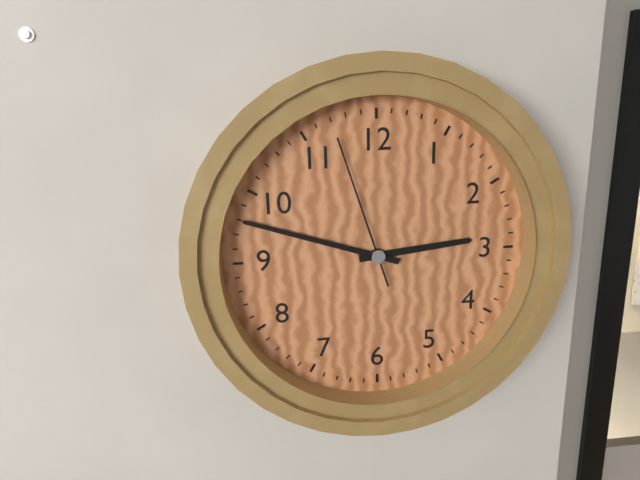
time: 2:48:57
